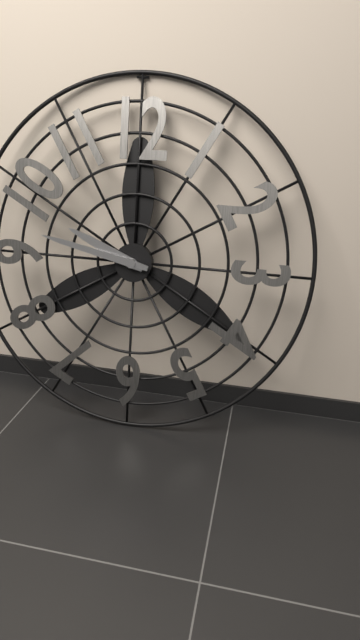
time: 9:47
